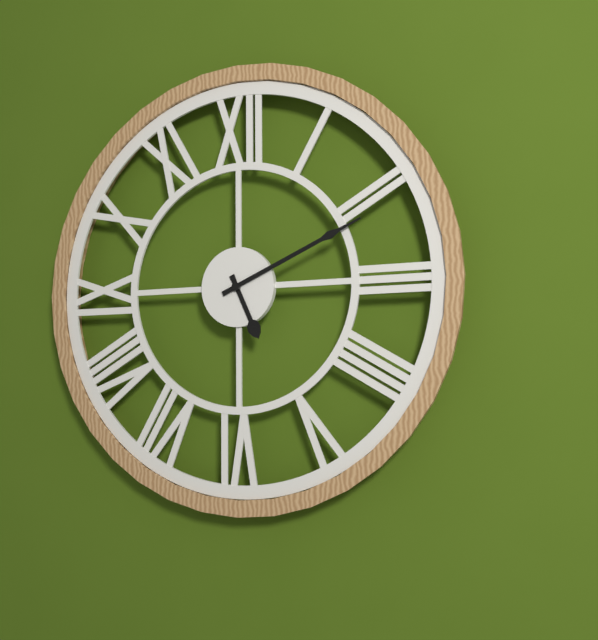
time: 5:11
